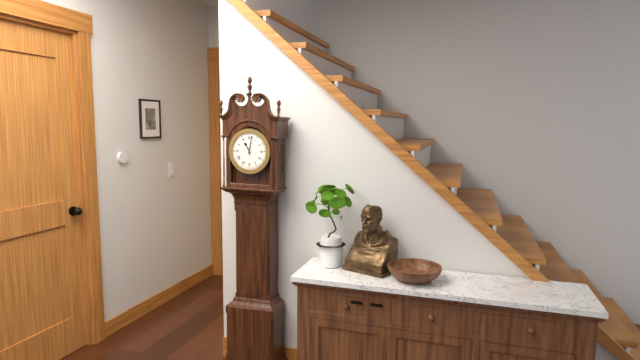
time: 11:02
